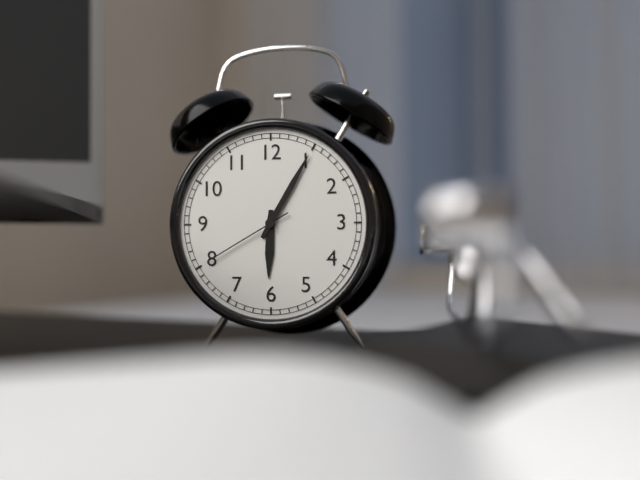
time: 6:05:40
